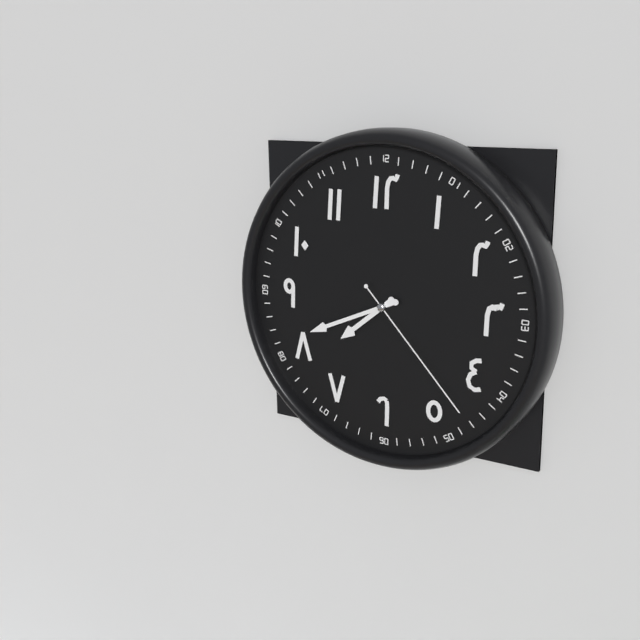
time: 7:41:23
